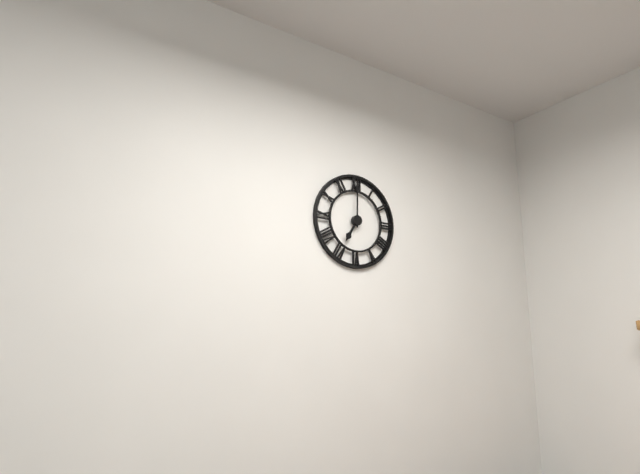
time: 7:00
